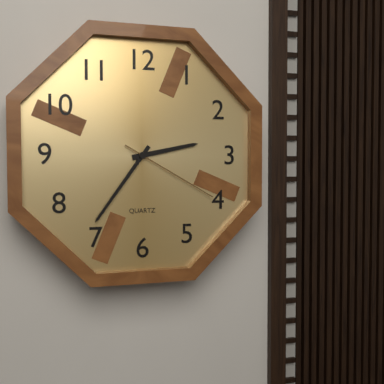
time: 2:36:20
